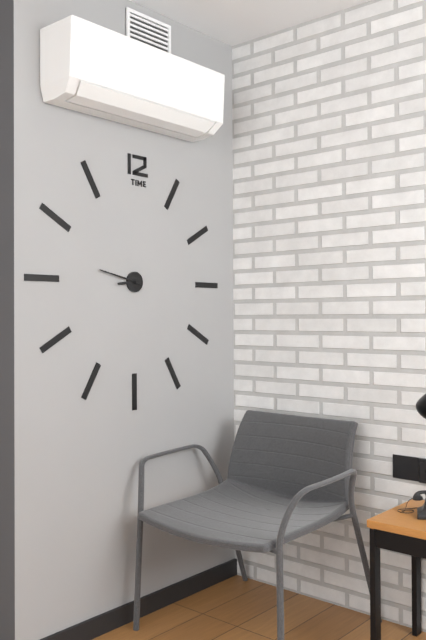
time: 8:47
